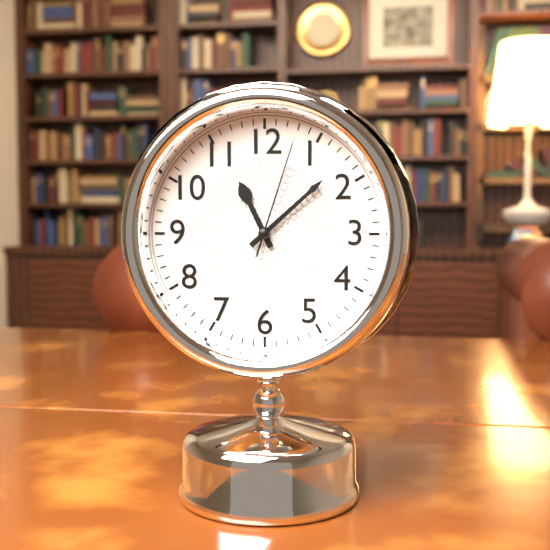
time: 11:08:03
